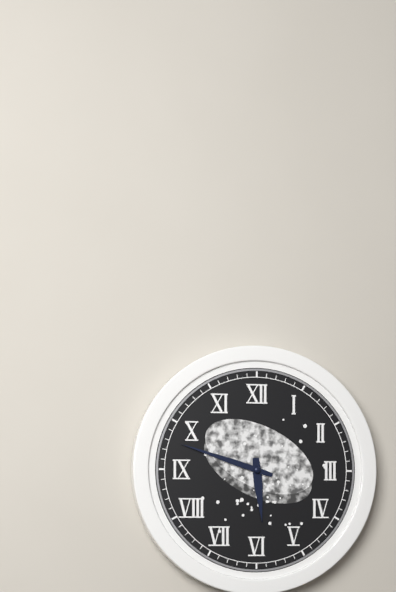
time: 5:48
